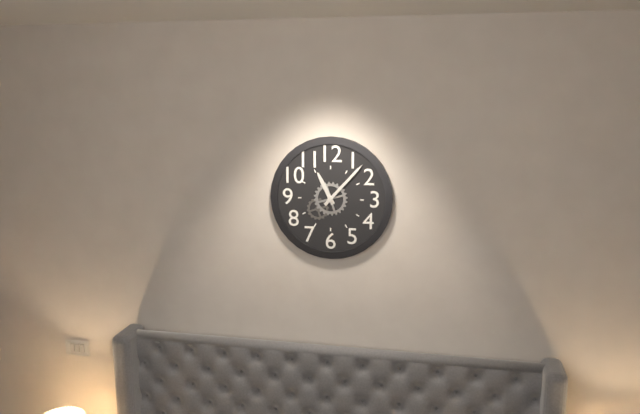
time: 11:07
